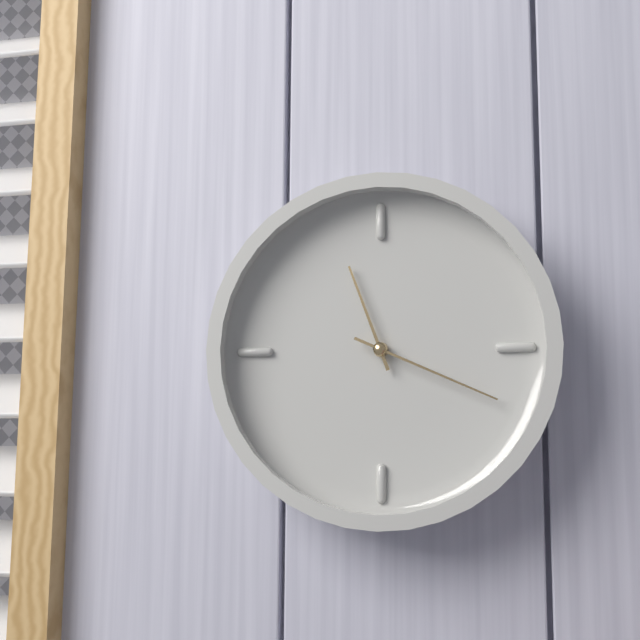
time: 11:19
